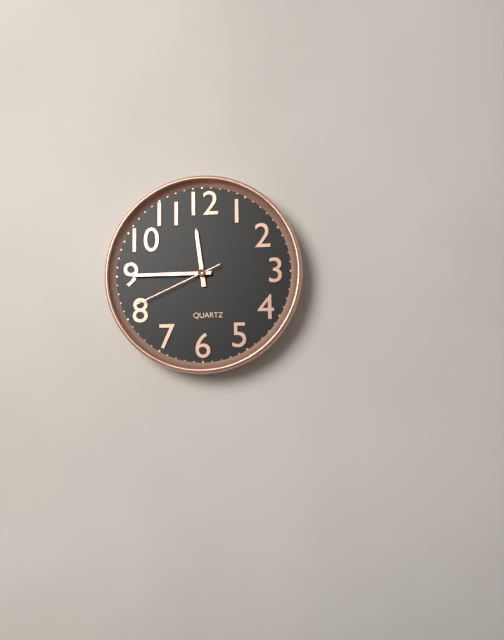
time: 11:45:41
